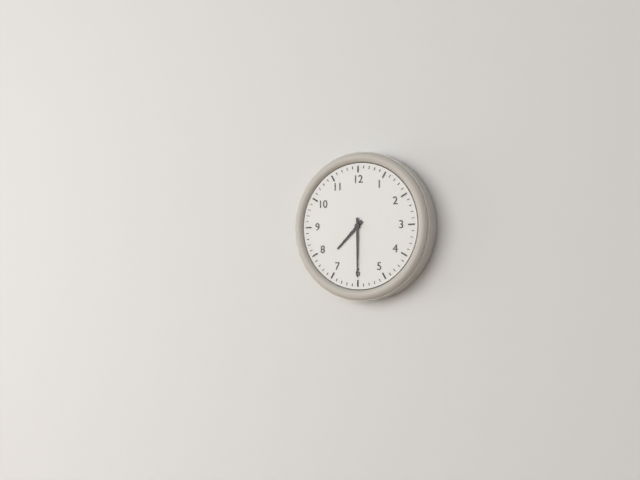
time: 7:30
